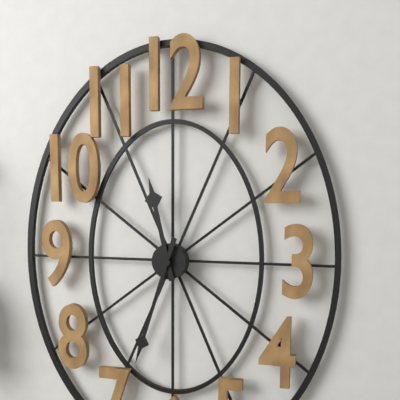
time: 11:33
